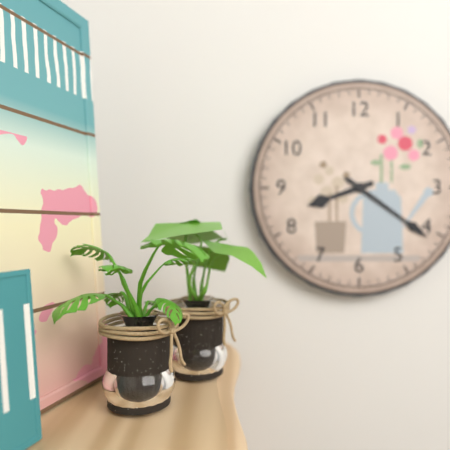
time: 8:21
